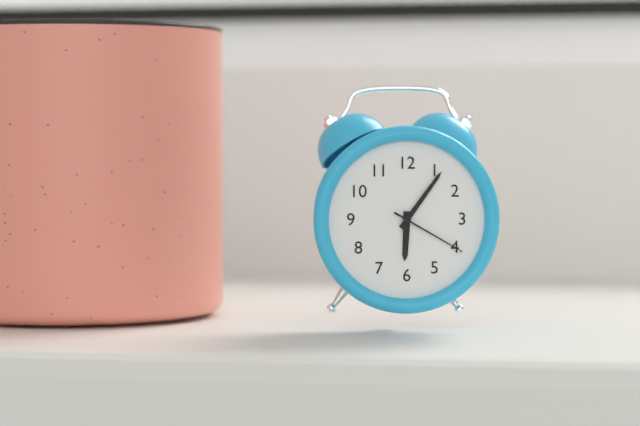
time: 6:06:20
